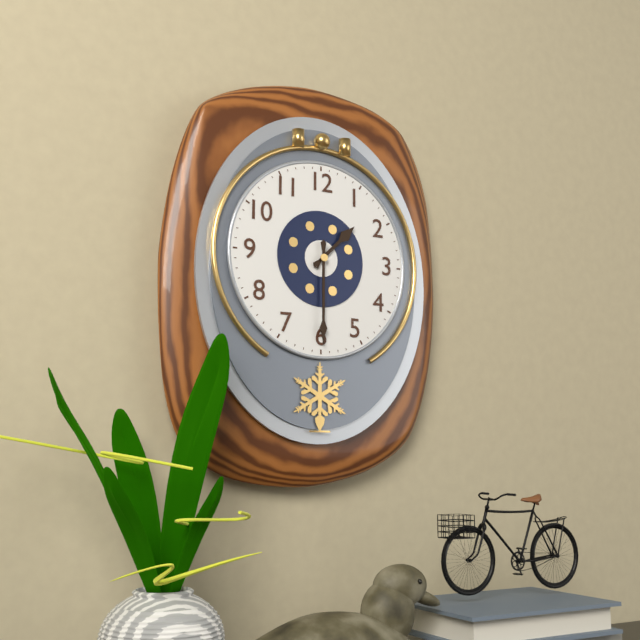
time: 1:30
